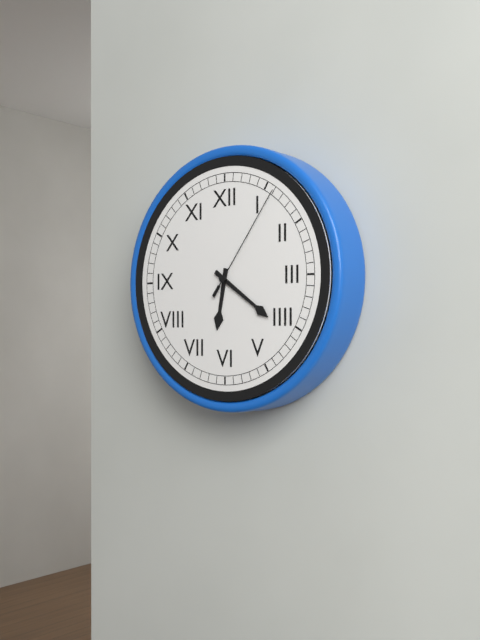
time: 6:21:06
